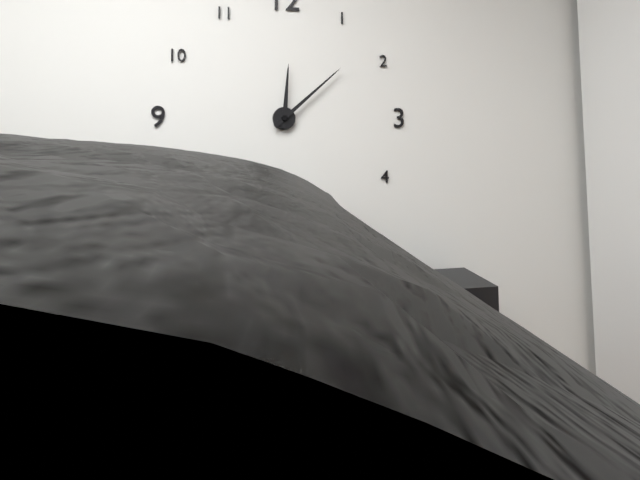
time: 12:08
